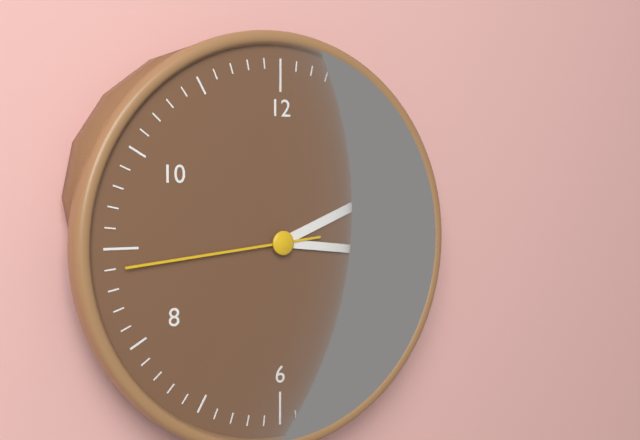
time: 2:16:44
